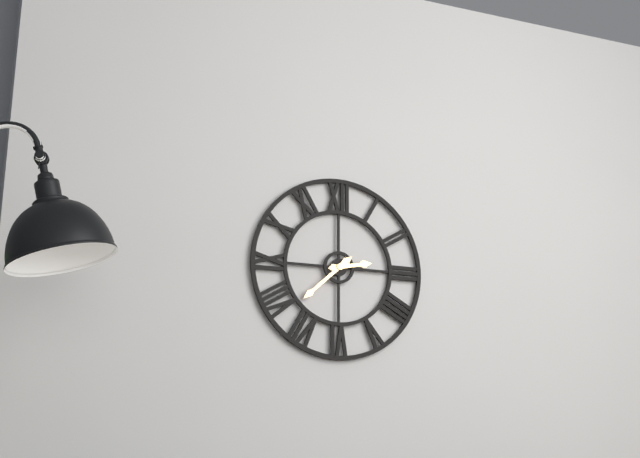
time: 2:38
